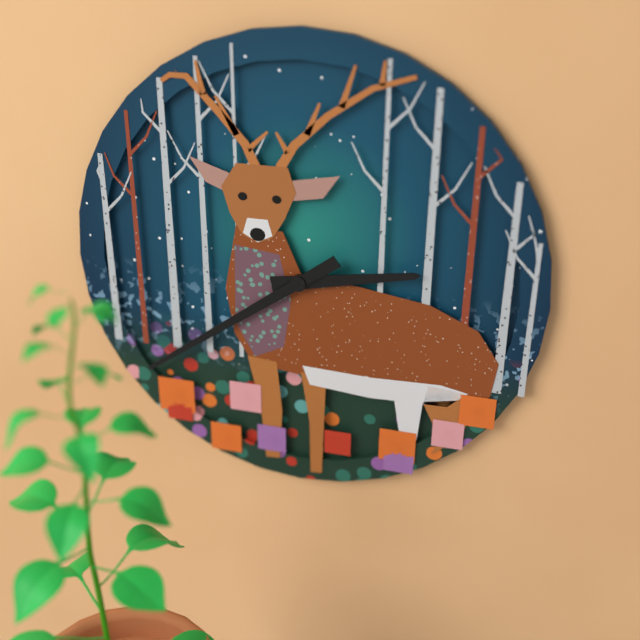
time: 2:39
